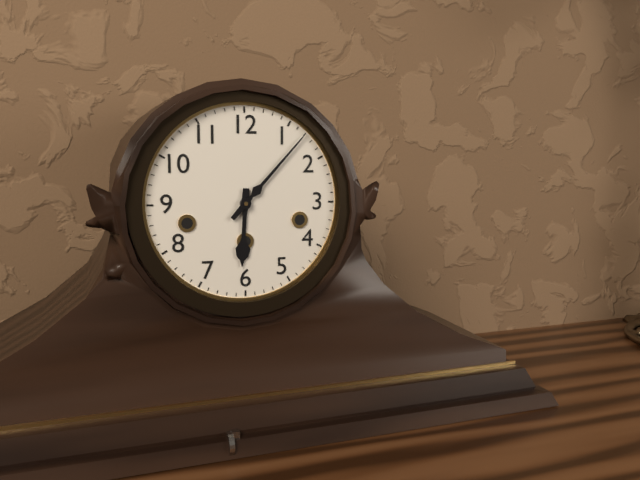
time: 6:07
